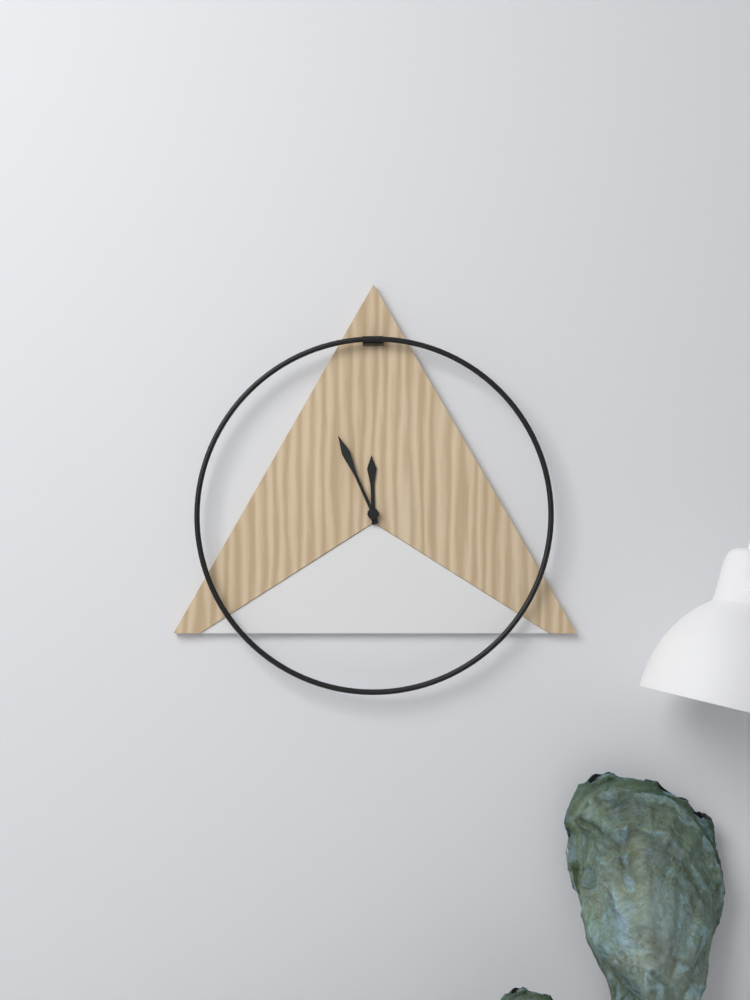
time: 11:56
